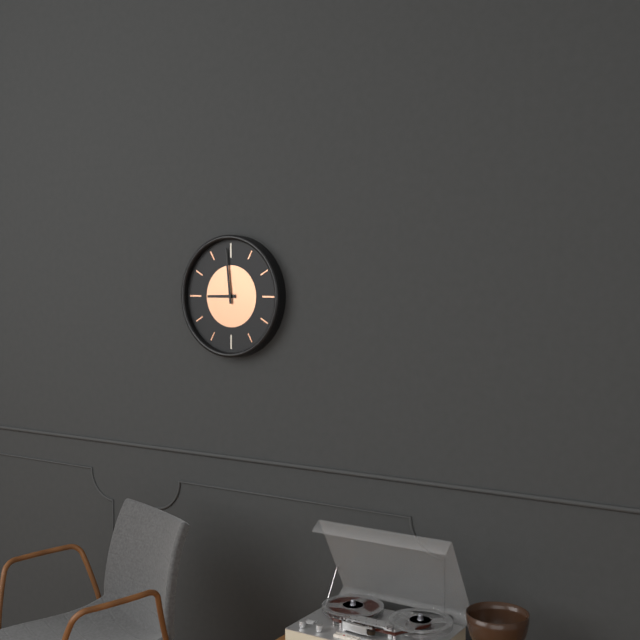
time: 8:59
